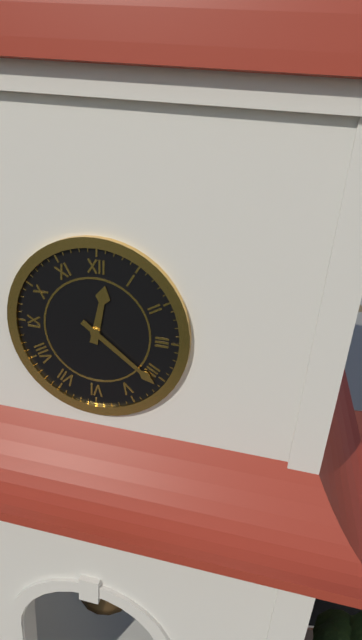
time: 12:21
